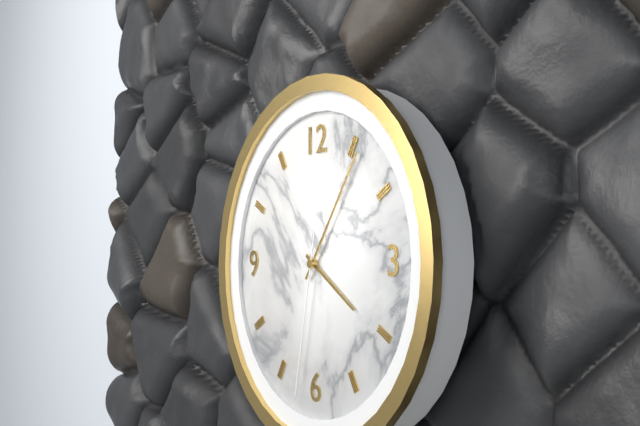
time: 4:06:32
